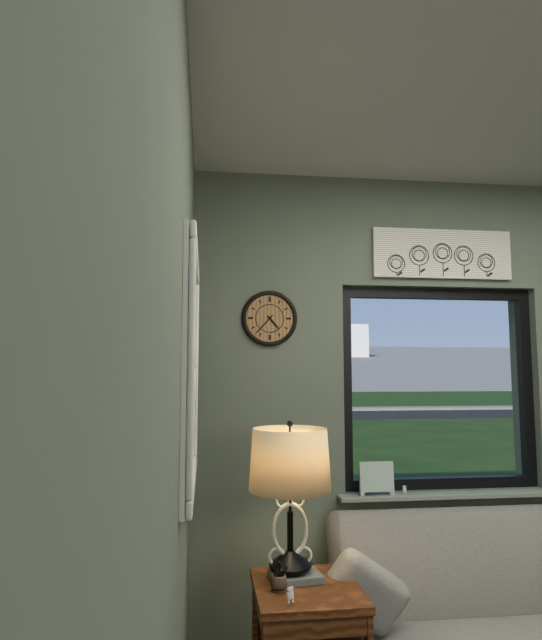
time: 4:37
